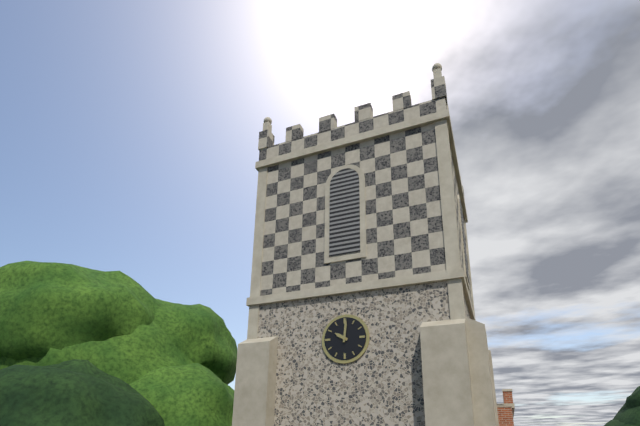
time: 10:01
